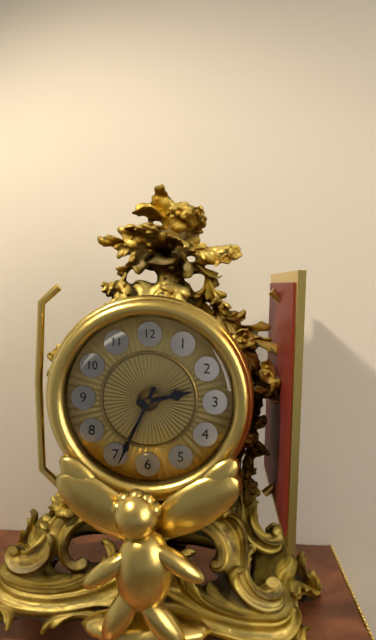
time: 2:34
